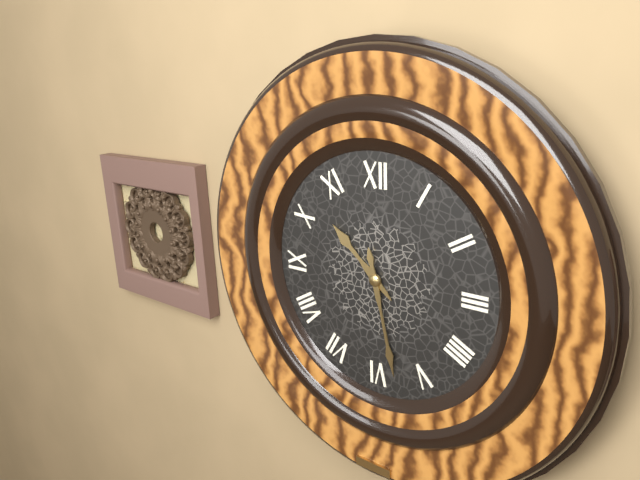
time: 10:28
